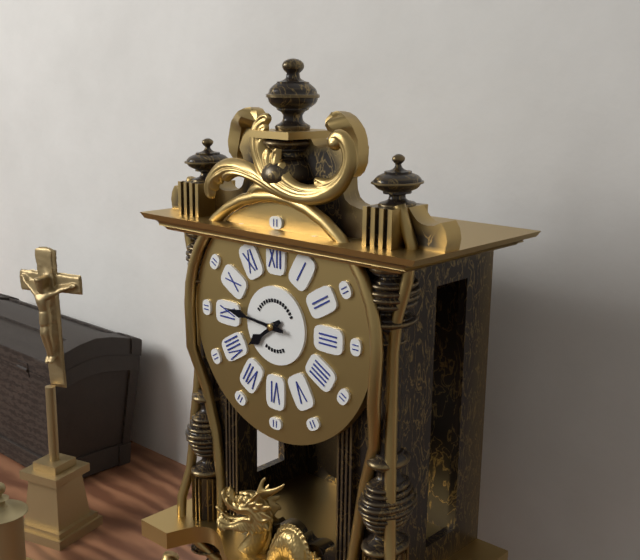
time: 7:46
